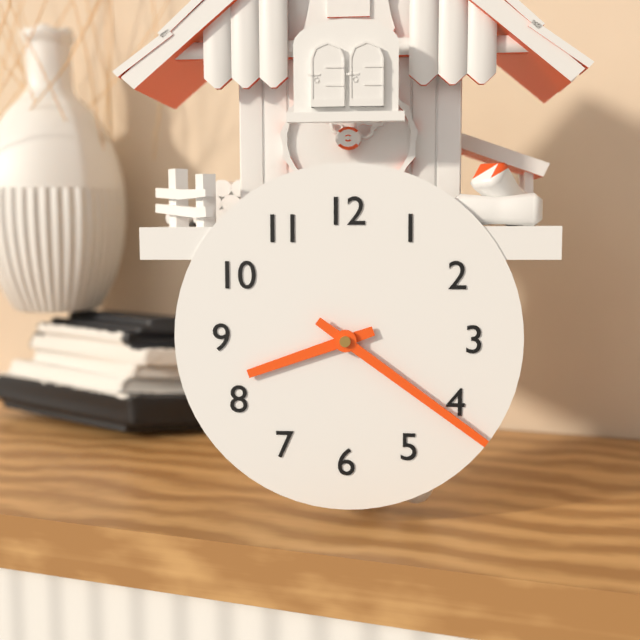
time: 8:21
